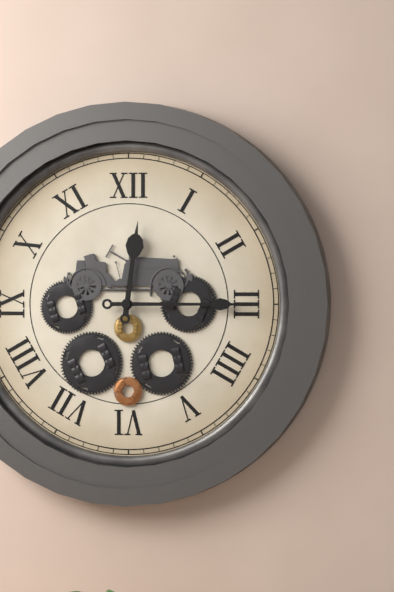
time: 12:15
